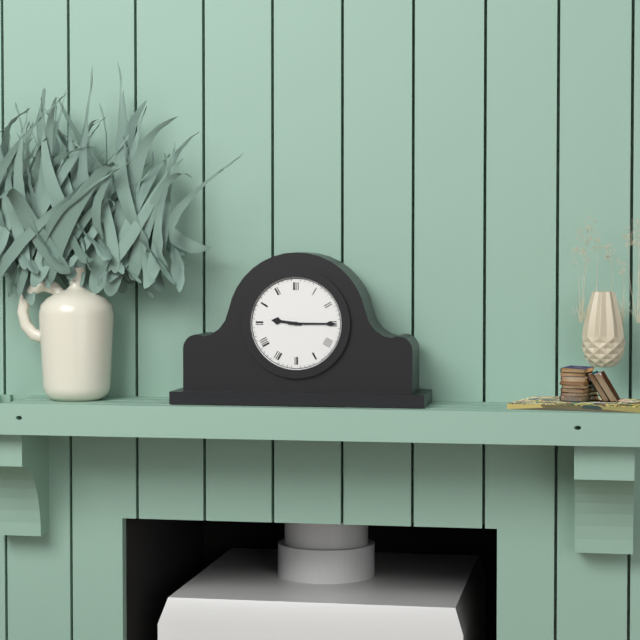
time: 9:15
